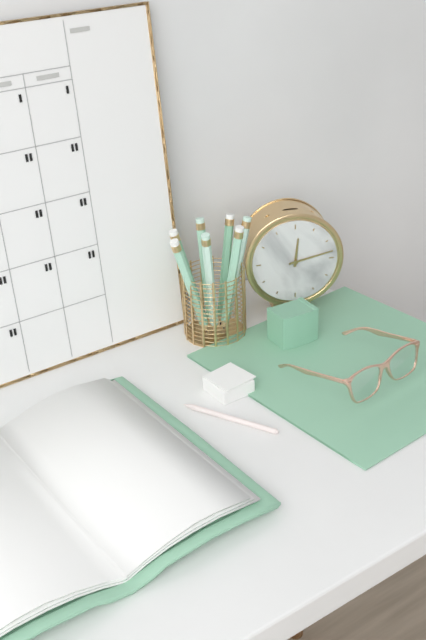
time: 12:13
